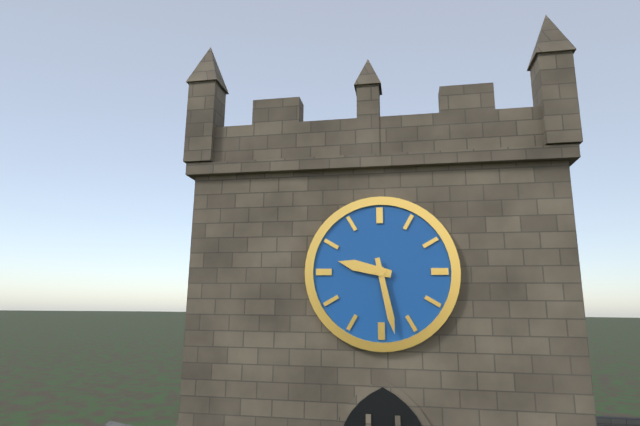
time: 9:28
